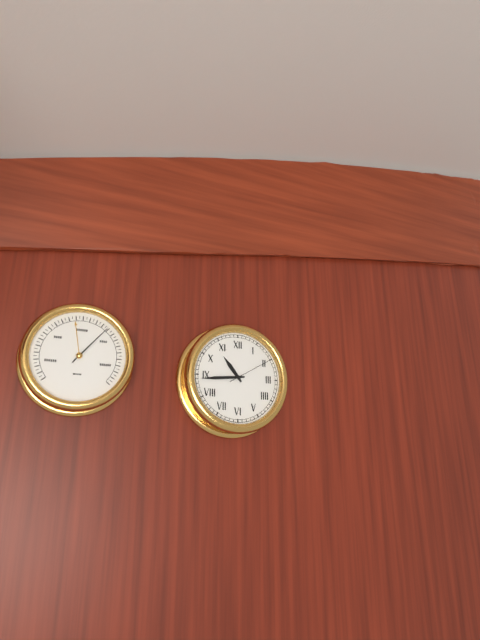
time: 10:44
